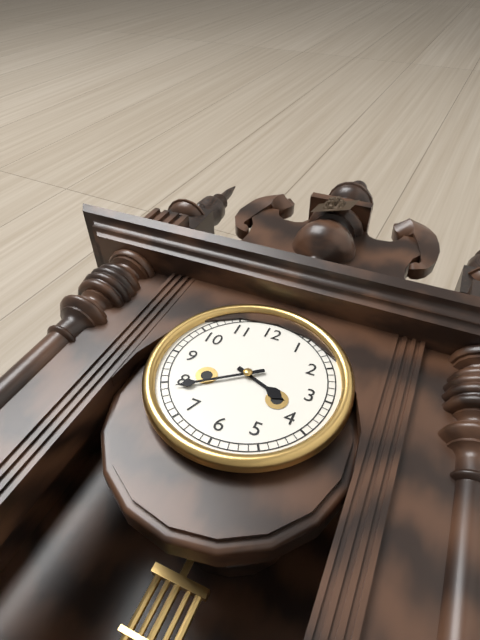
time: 3:39
